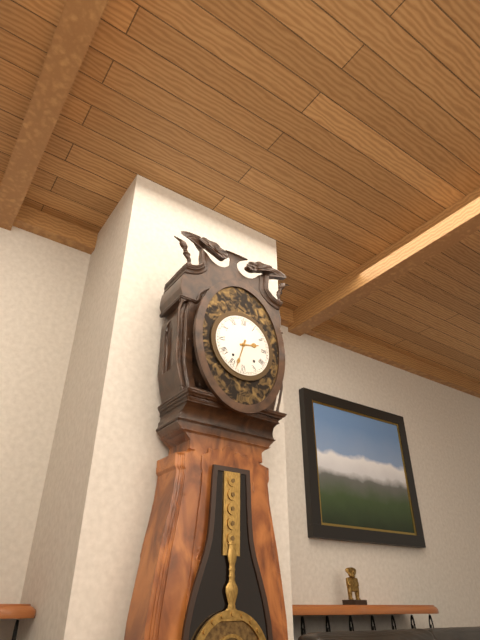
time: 2:33
